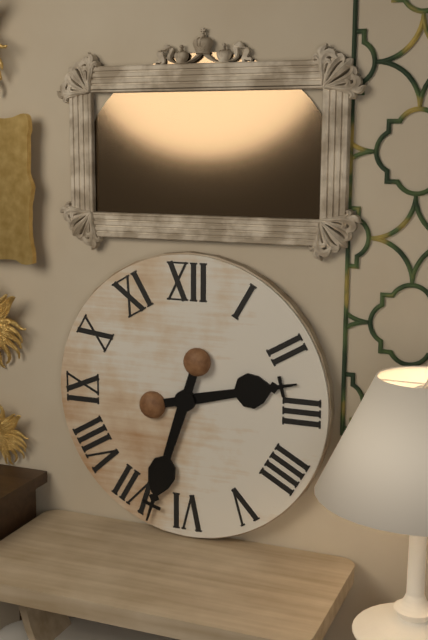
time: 2:33
